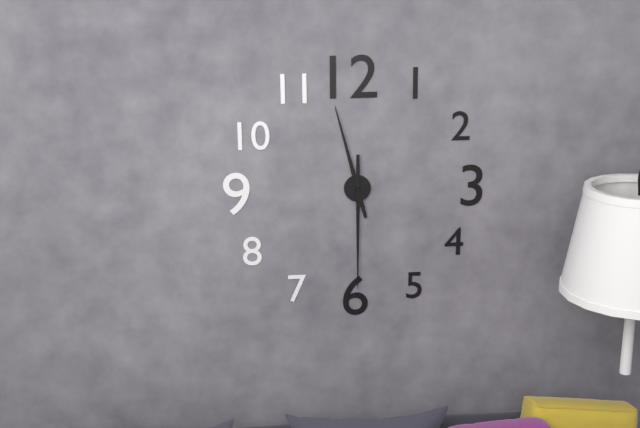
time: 11:30
